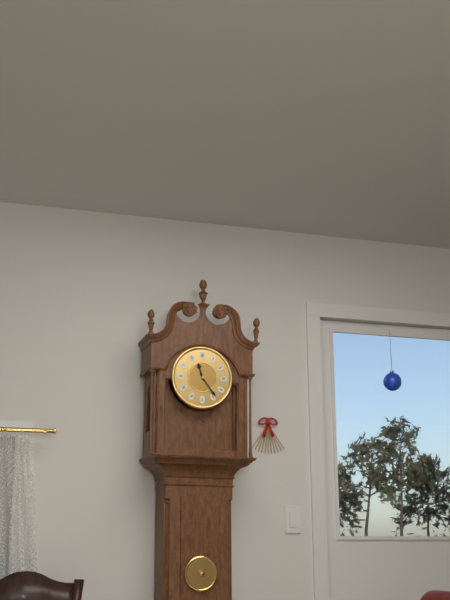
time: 11:24
